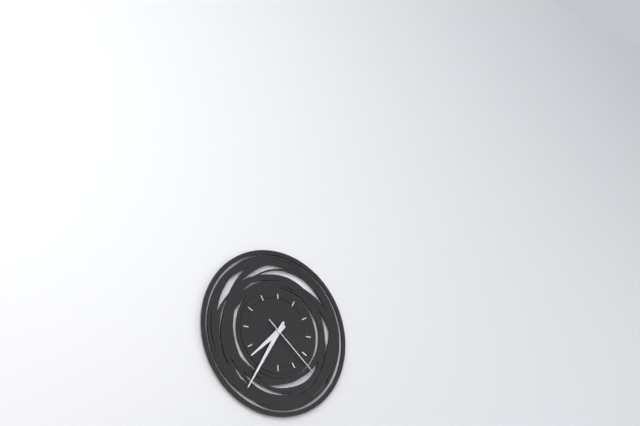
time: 7:35:22
